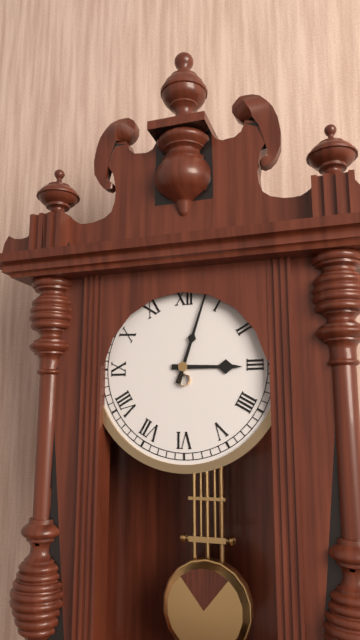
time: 3:03
